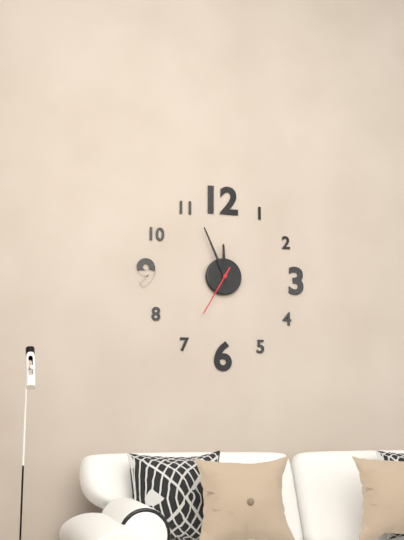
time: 11:56:35
